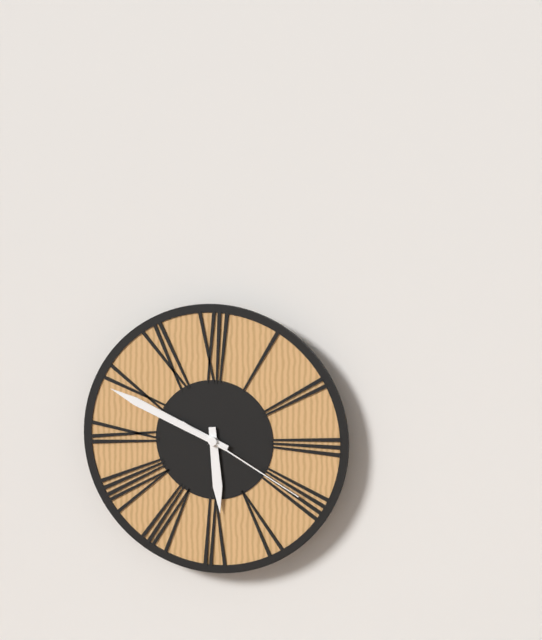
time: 5:49:20
